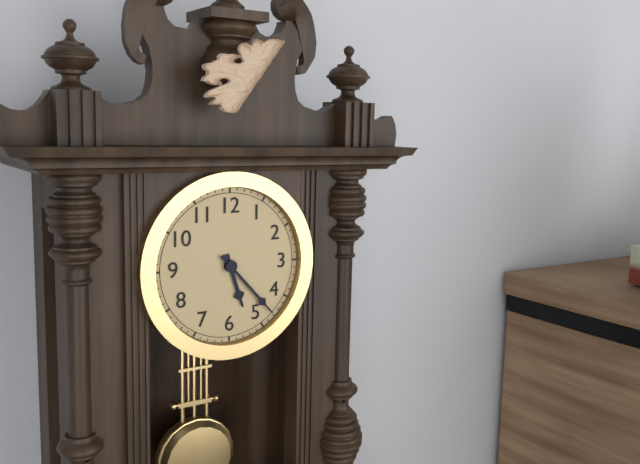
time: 5:23
